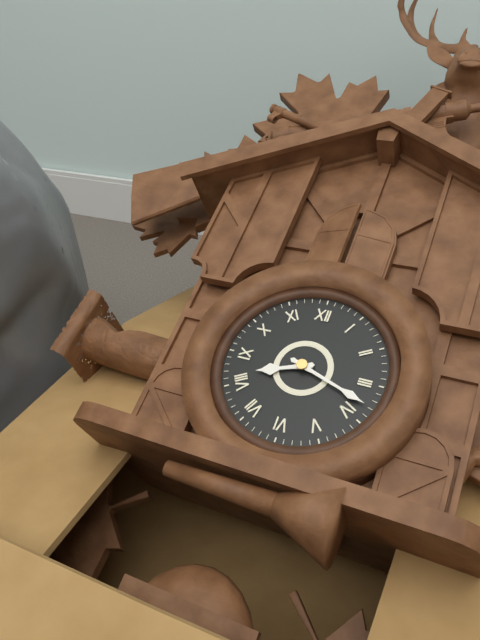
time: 8:18
